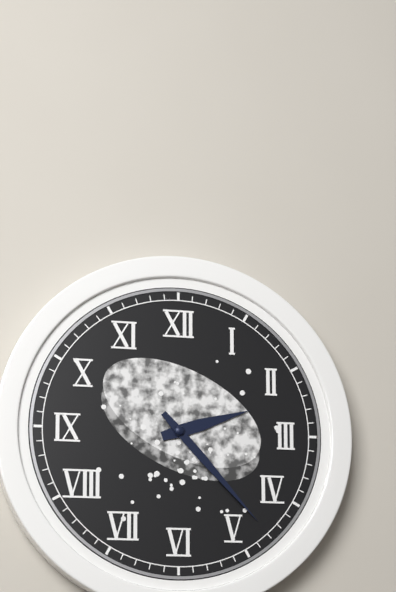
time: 2:23
